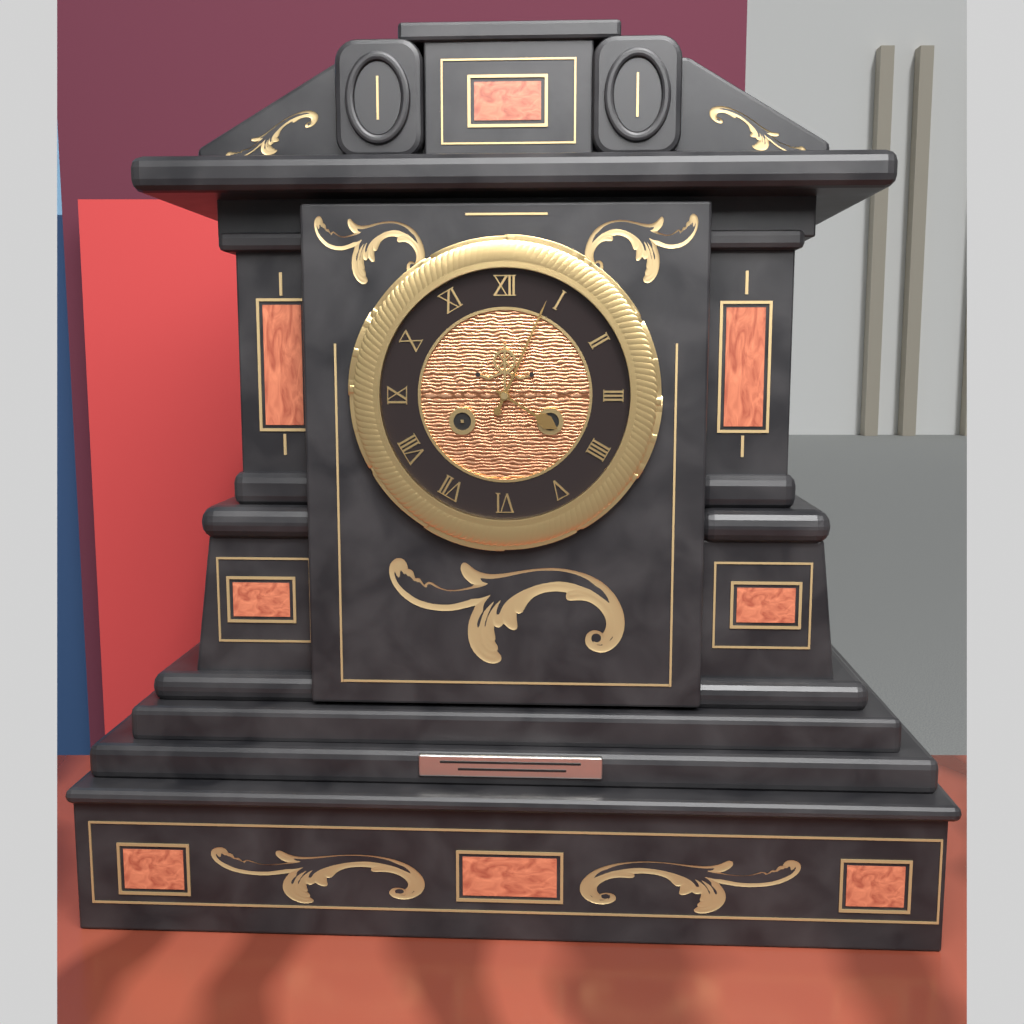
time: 4:04
